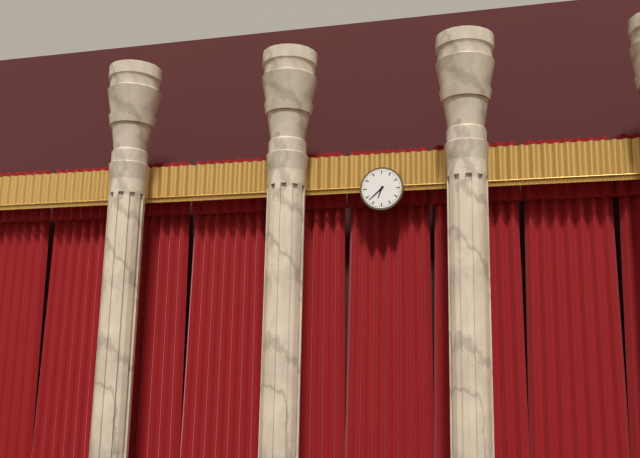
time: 6:38
